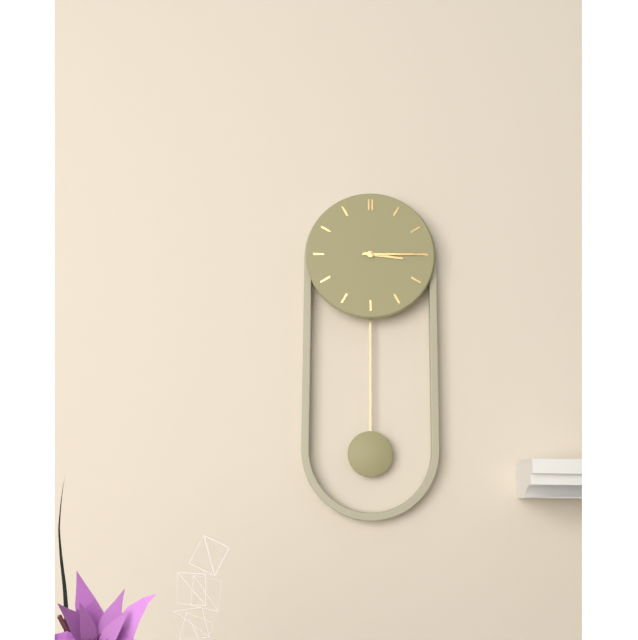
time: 3:15
